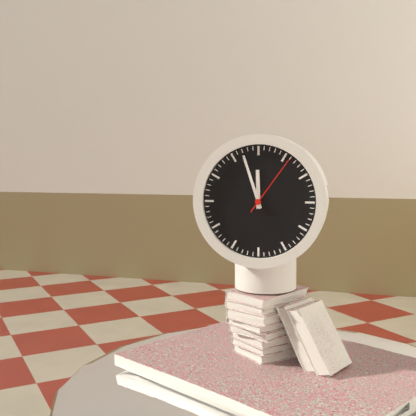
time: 11:57:06
